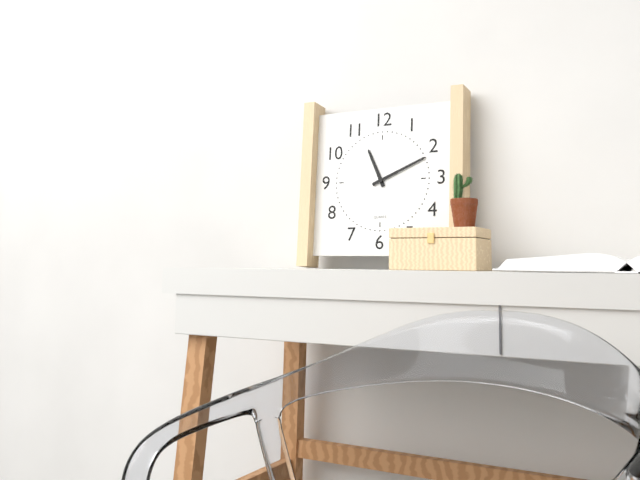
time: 11:11
